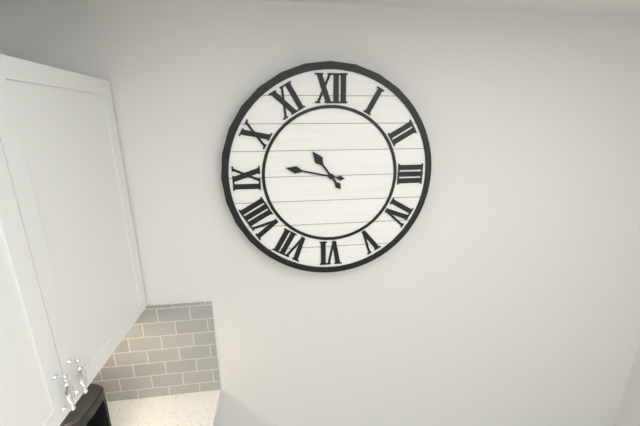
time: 10:47
